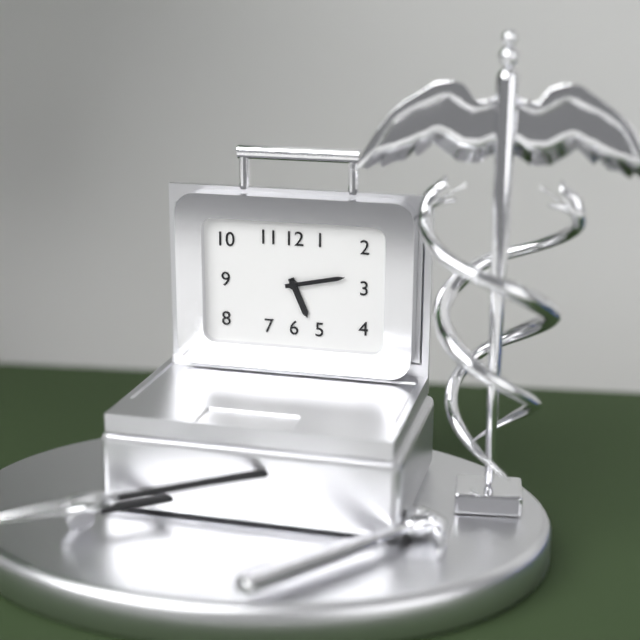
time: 5:13
